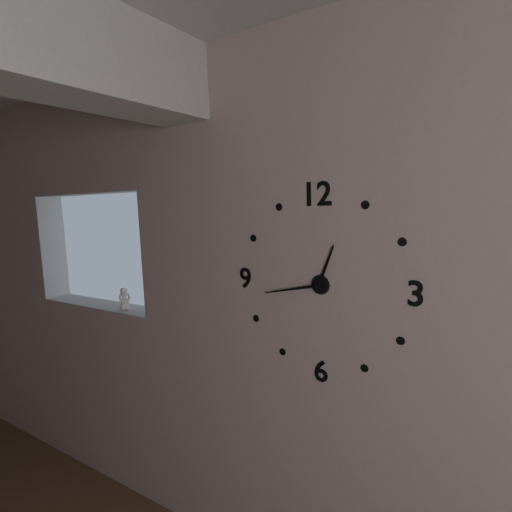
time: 12:43
